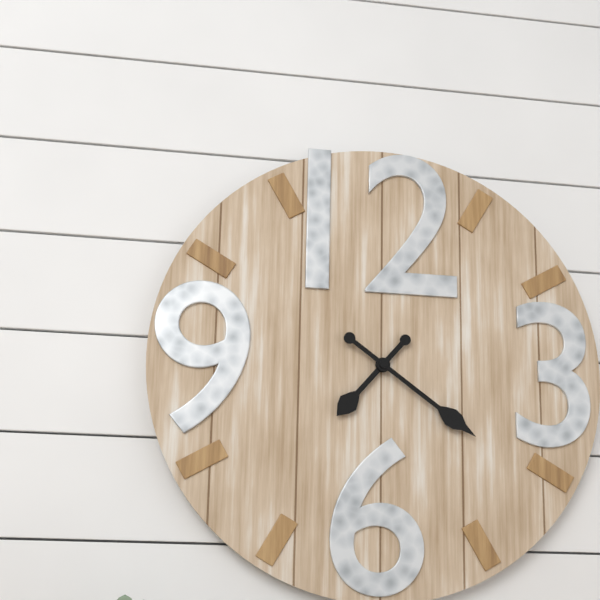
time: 7:21
